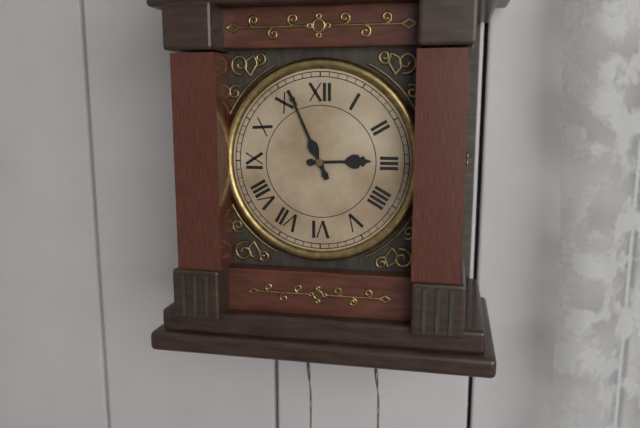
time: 2:56
